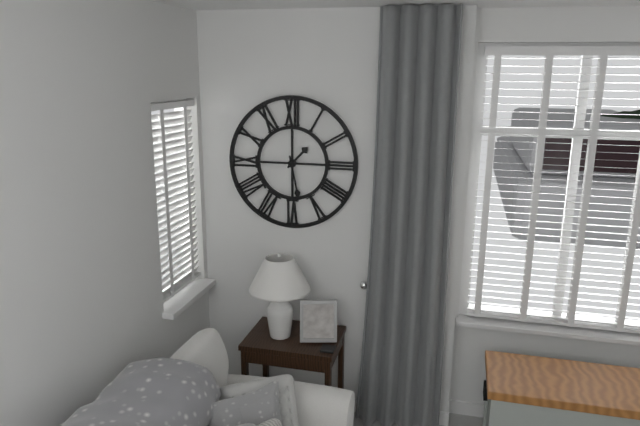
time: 1:28
